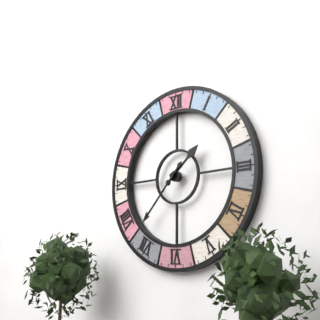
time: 1:37
